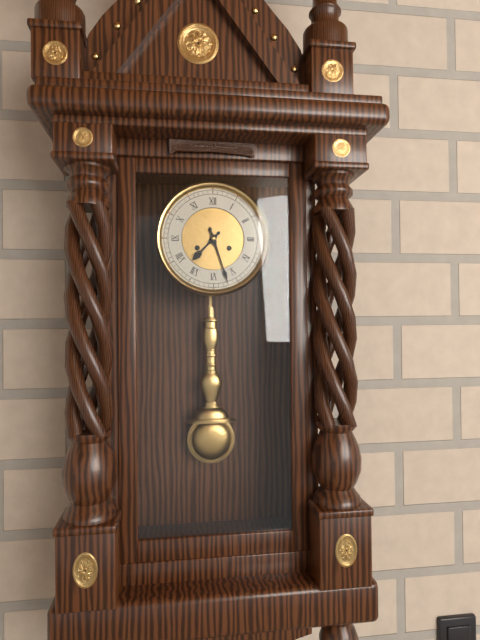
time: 7:27
